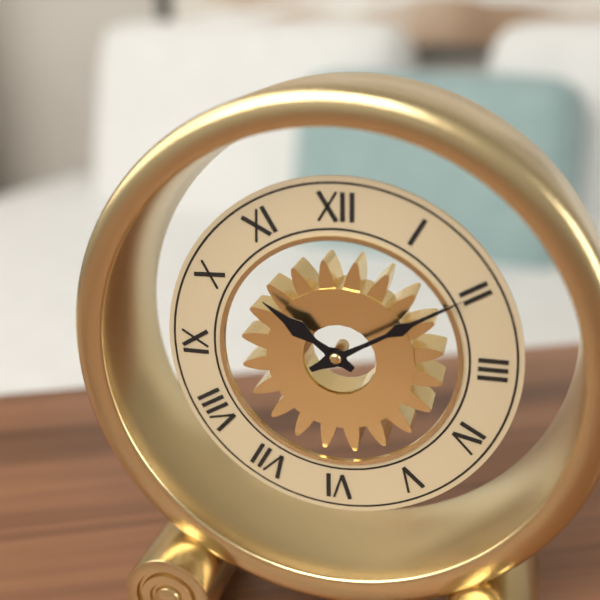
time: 10:10
